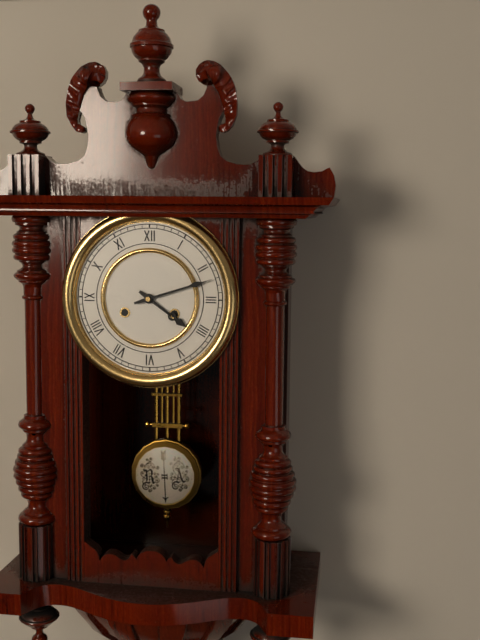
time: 4:12
